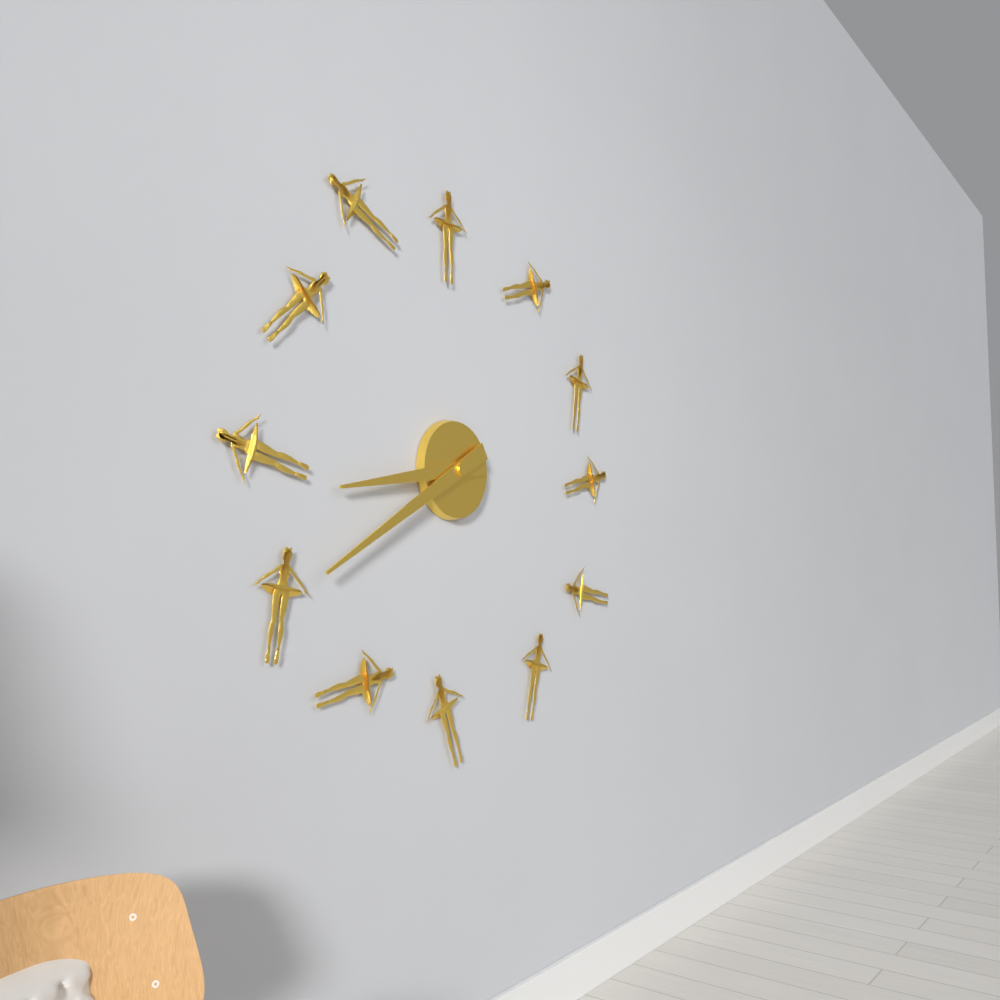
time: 8:40
